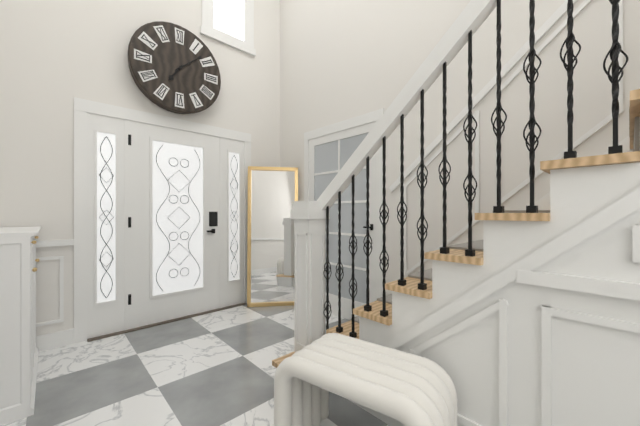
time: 7:08
